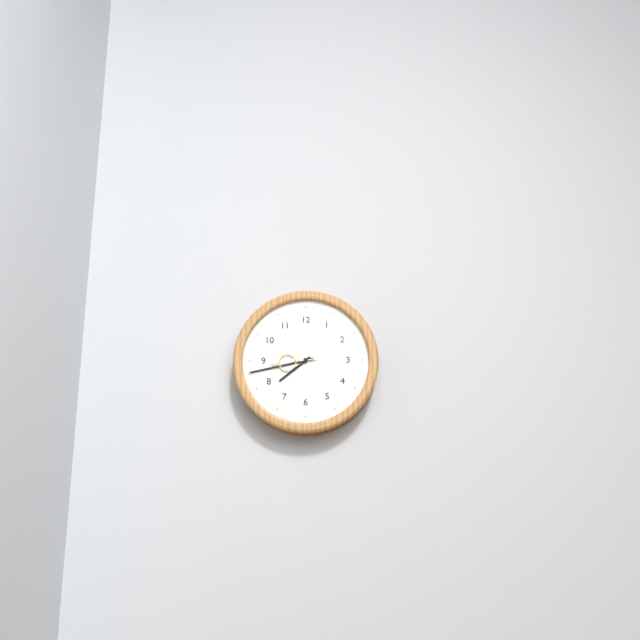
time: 7:43
